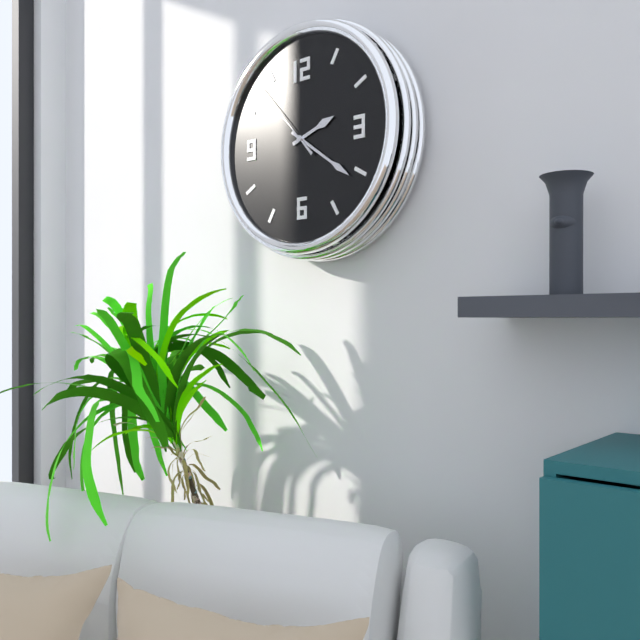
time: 2:21:53
